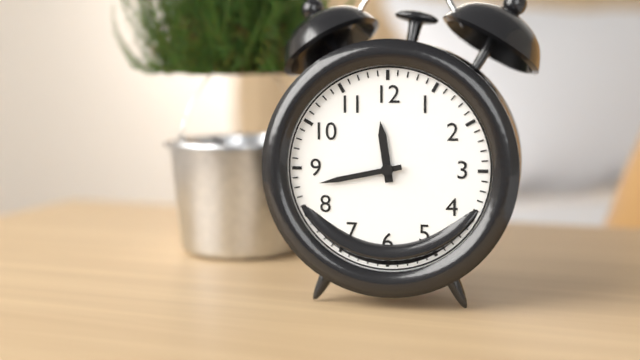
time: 11:43
